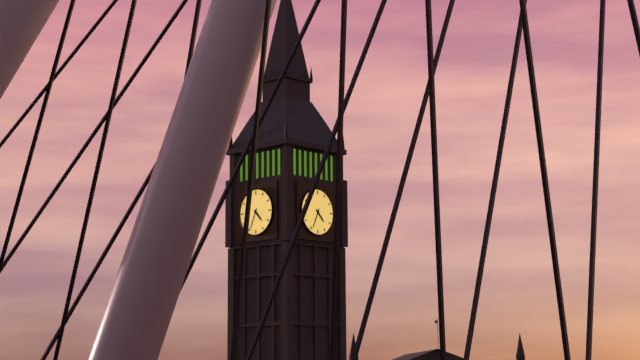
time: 4:34
